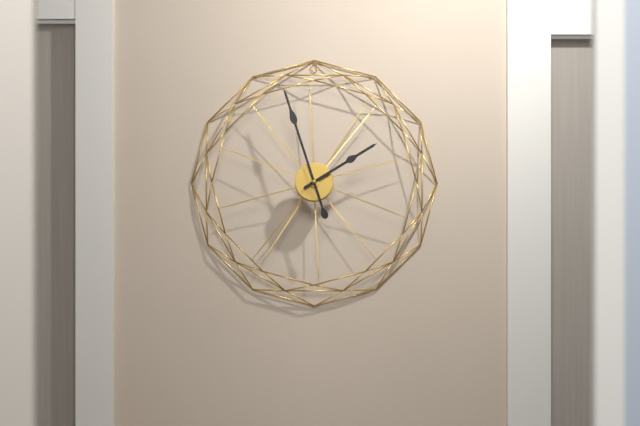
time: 1:57
